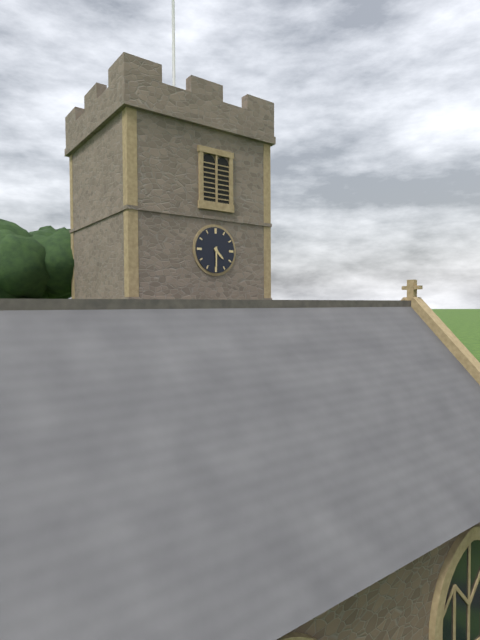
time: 4:30
